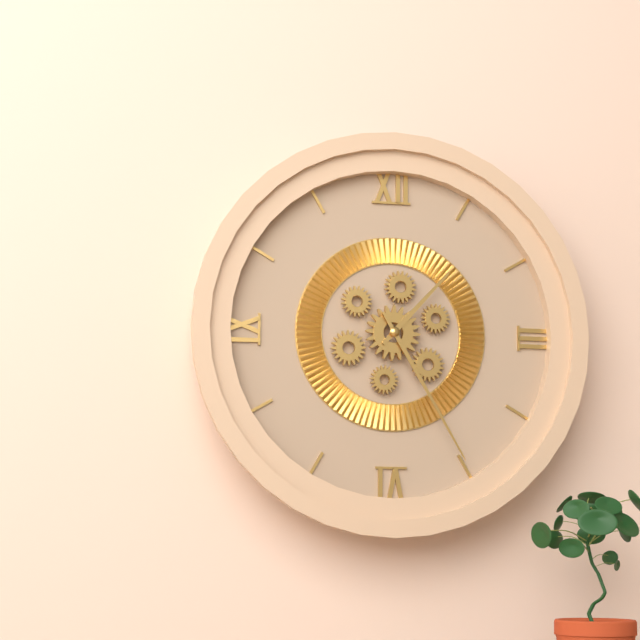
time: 1:25
